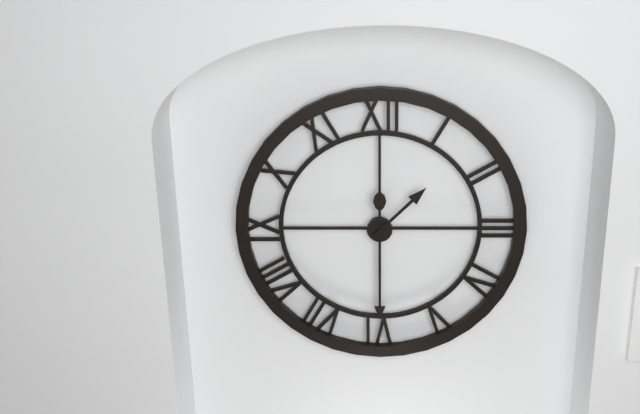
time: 1:30
